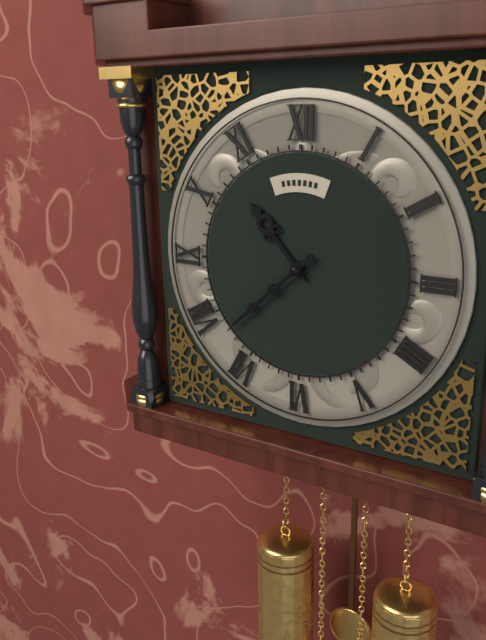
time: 10:38
